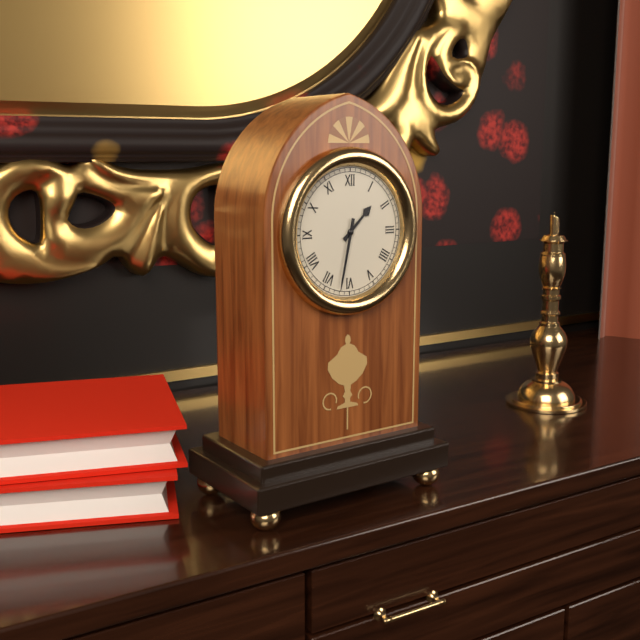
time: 1:32
